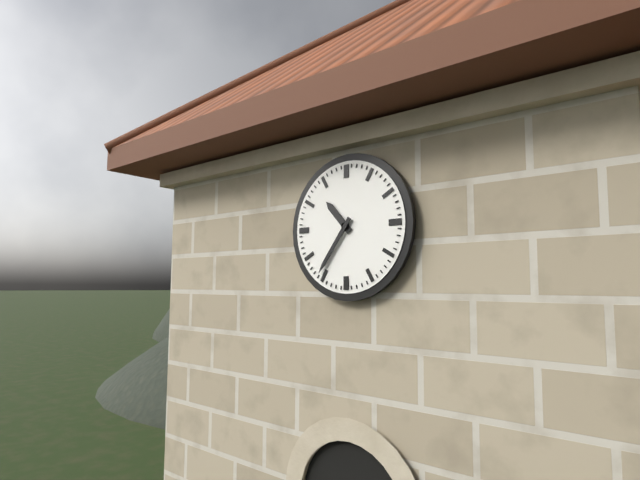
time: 10:36
